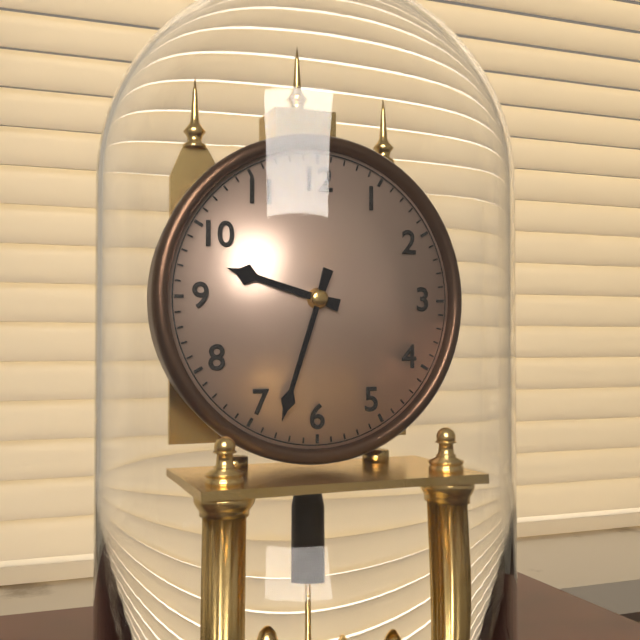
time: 9:33
